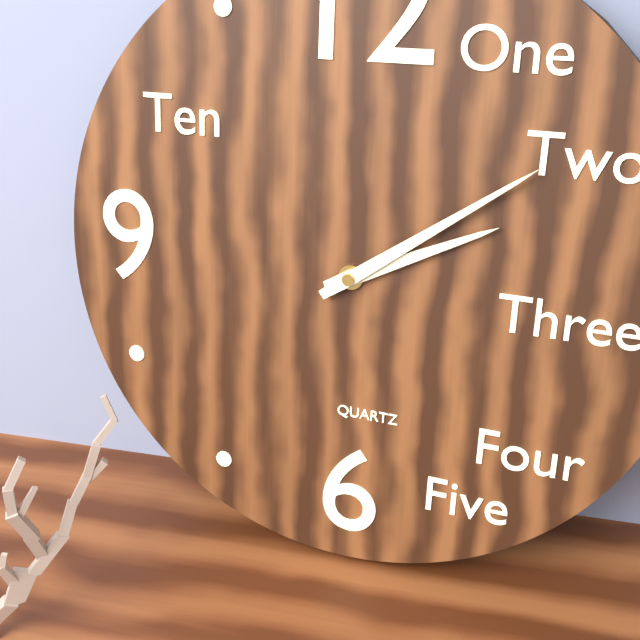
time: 2:09
